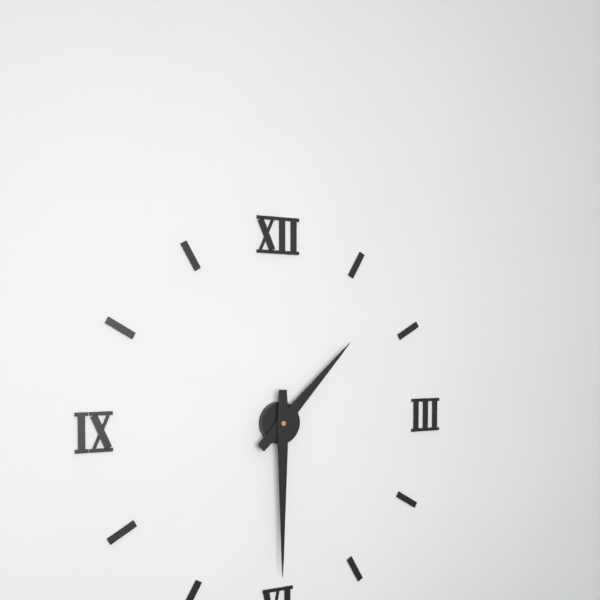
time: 1:30
